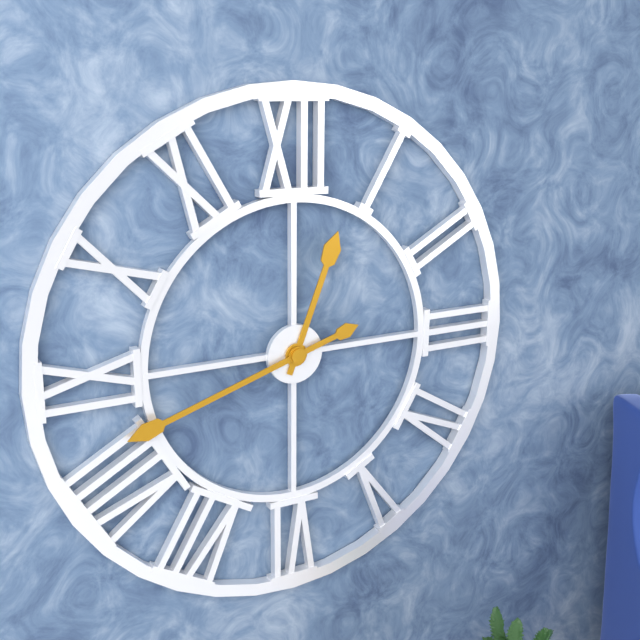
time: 12:42
